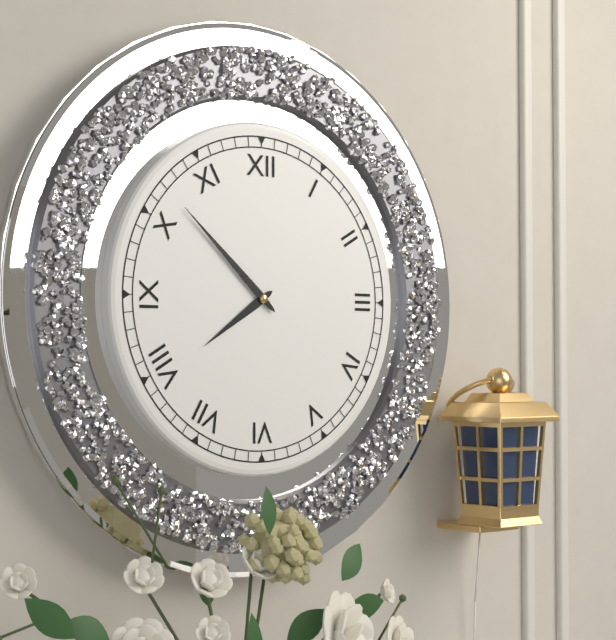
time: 7:52
